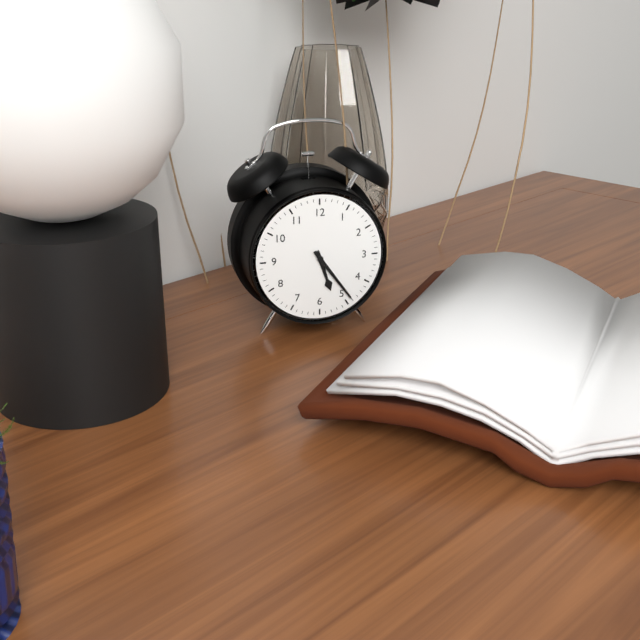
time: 5:24
